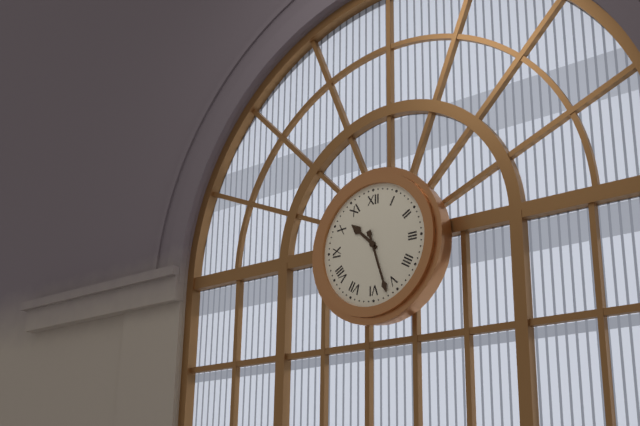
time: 10:27
